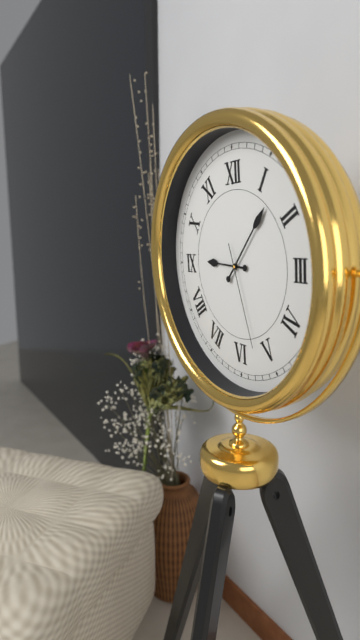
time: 9:07:27
